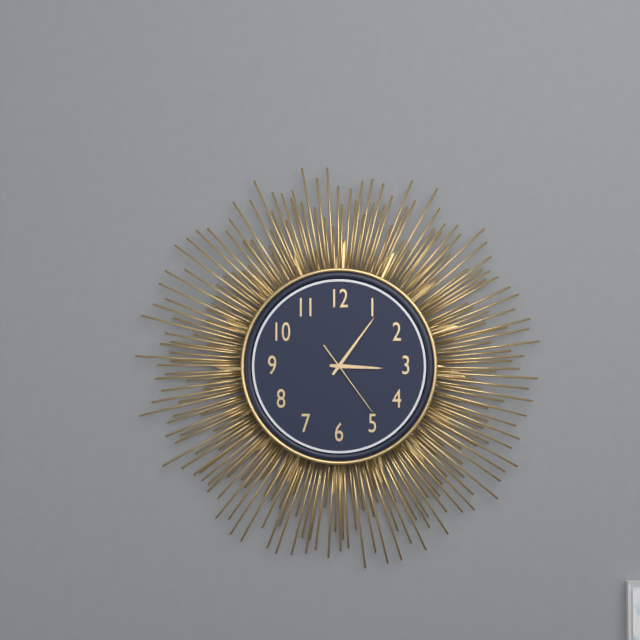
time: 3:06:24
